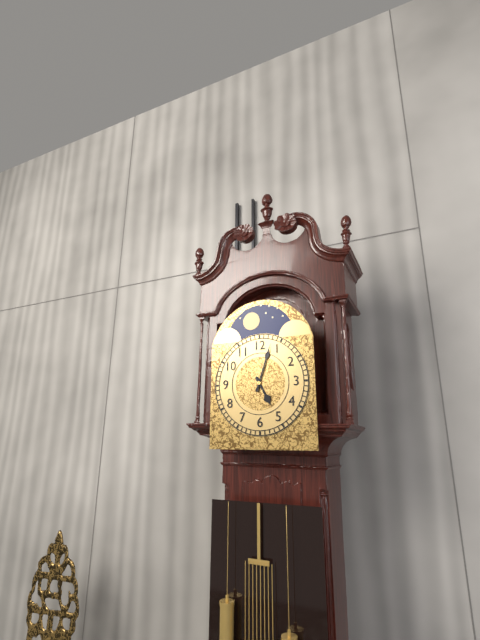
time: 5:03
